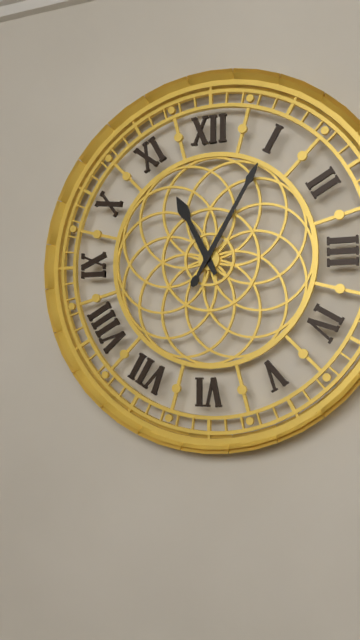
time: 11:05
